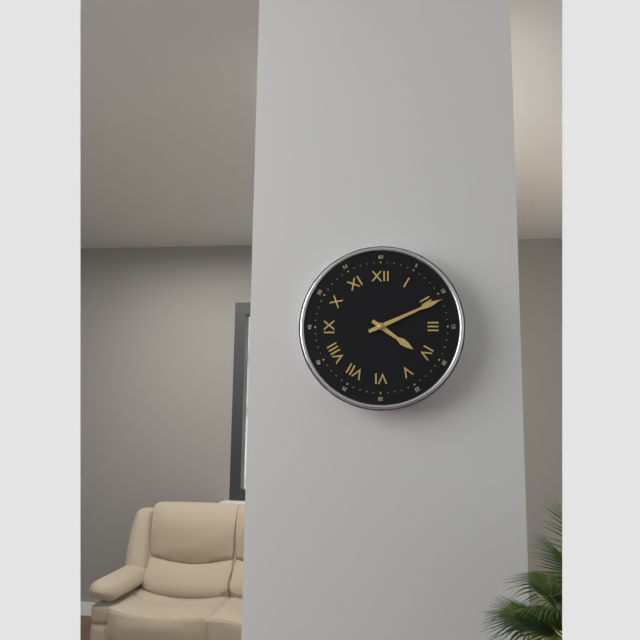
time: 4:11
